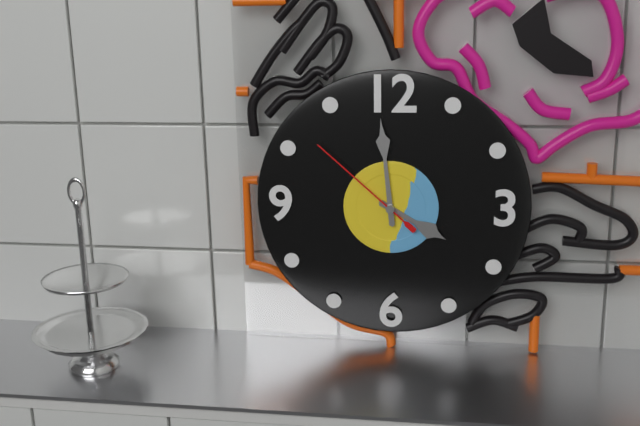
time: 3:59:52
